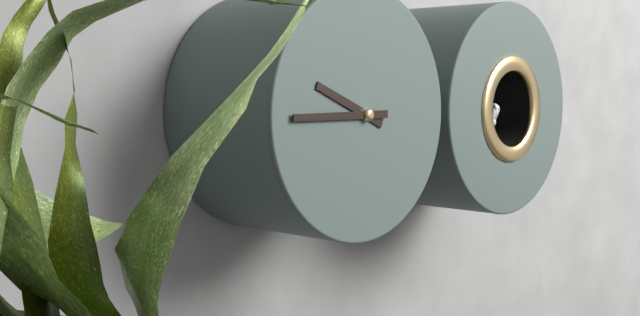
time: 9:45
